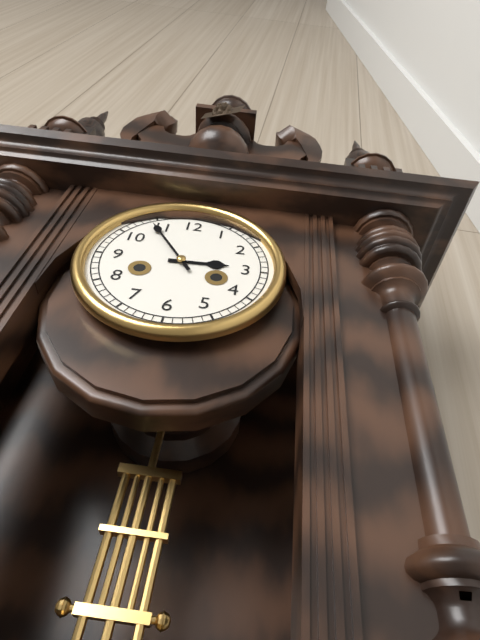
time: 2:54
